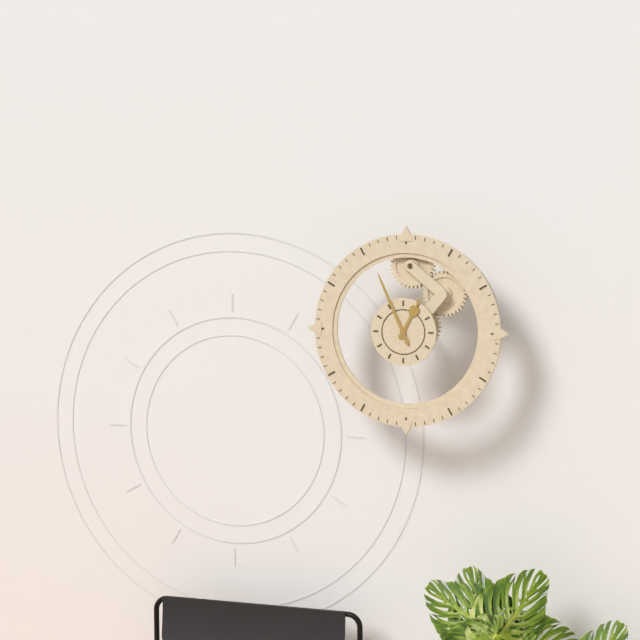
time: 12:56
